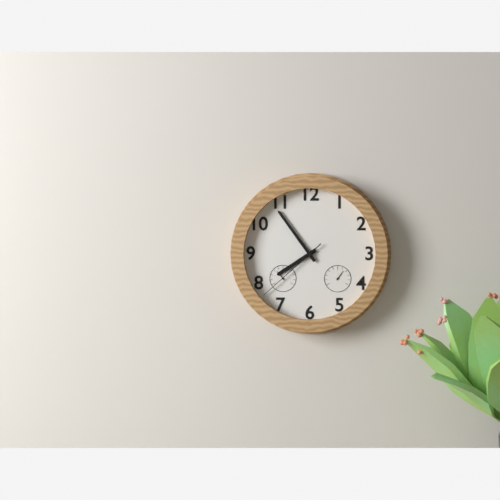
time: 7:54:38
